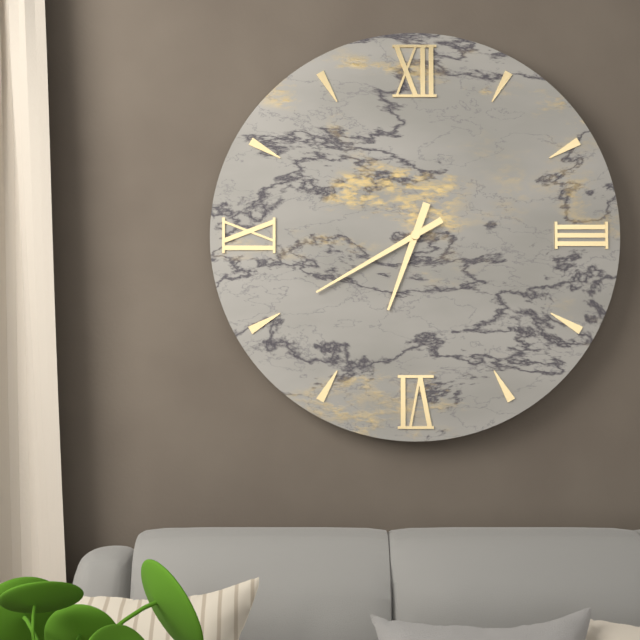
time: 6:40
